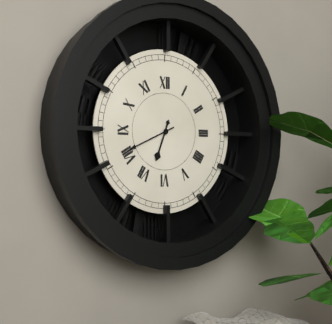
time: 6:41
